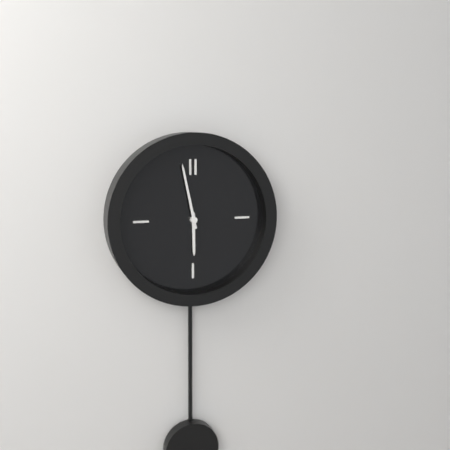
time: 5:58
